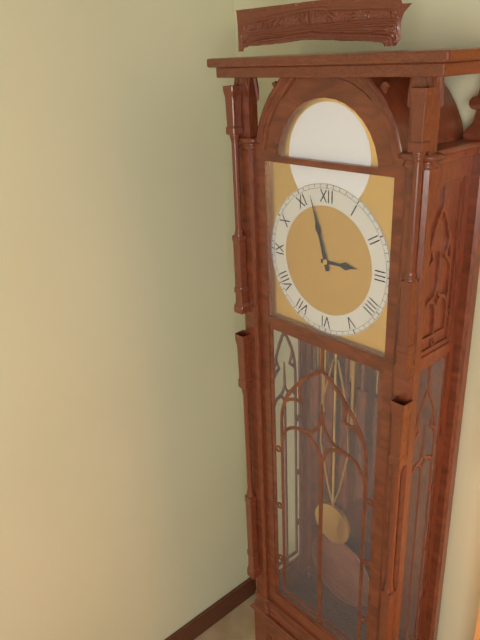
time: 2:57
